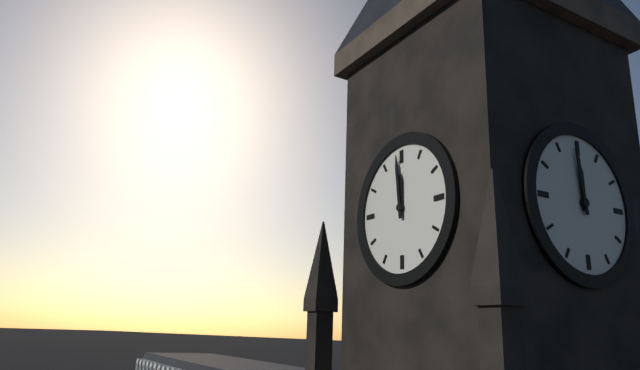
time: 11:59
